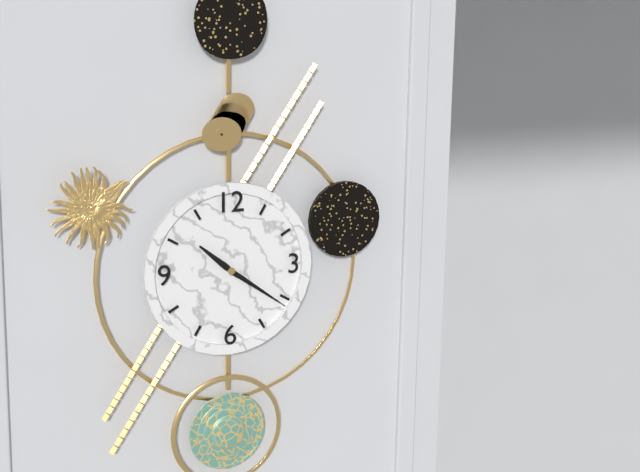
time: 10:21:21
